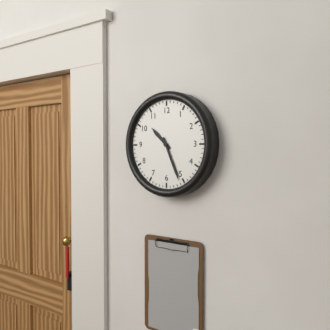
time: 10:26
